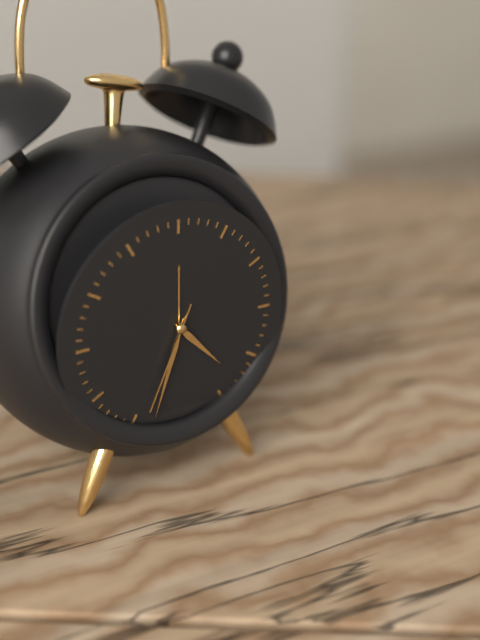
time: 4:33:34
